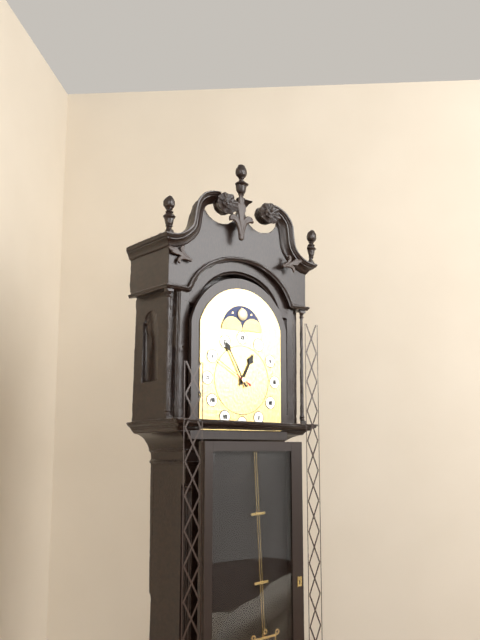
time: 12:55
